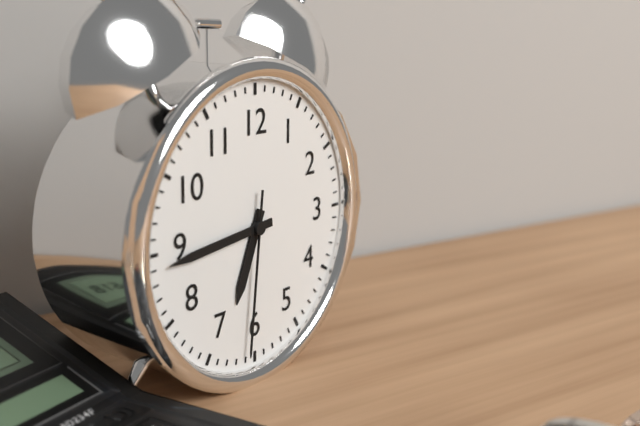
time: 6:44:31
